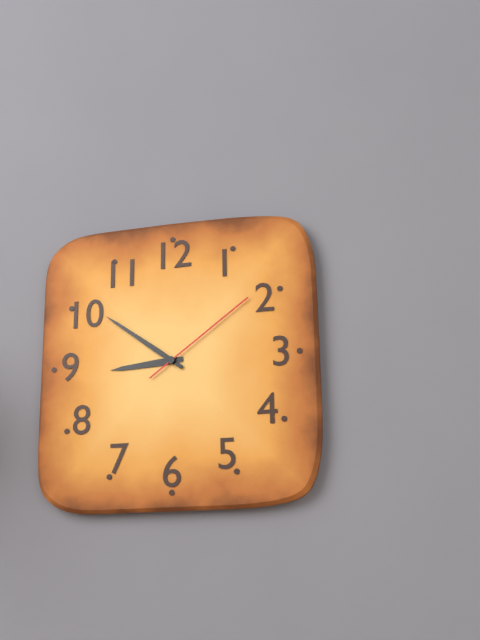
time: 8:51:09
